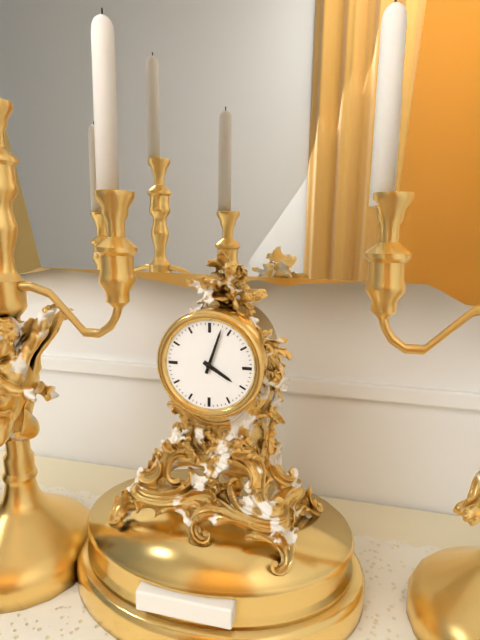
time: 4:03
